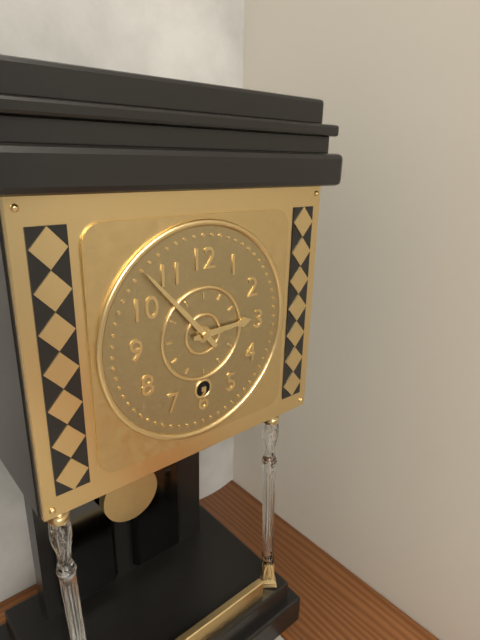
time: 2:53
